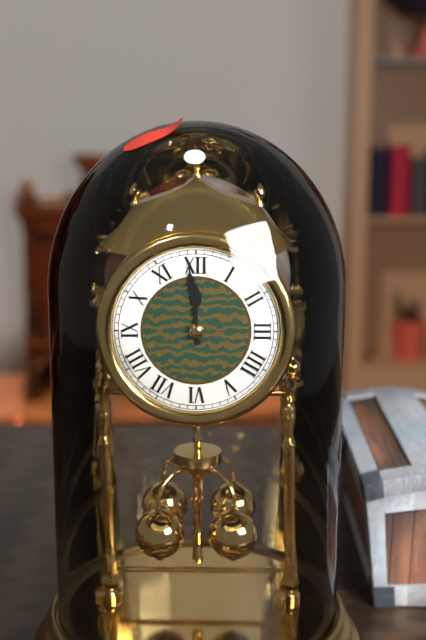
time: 11:59
